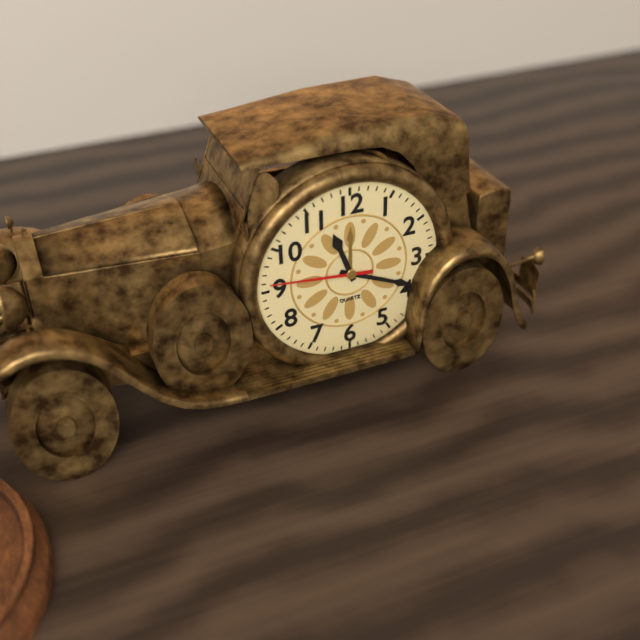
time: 11:19:46
